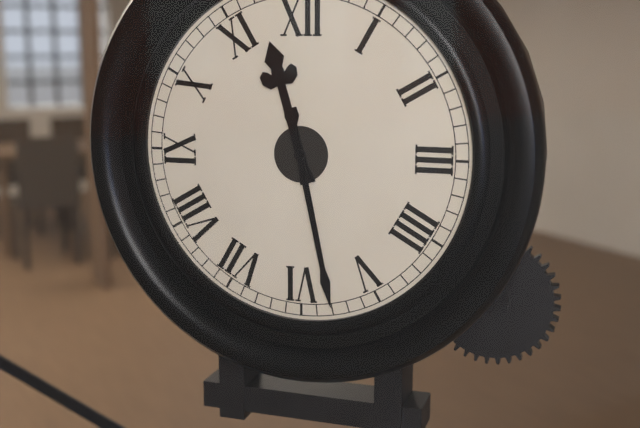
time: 11:28
